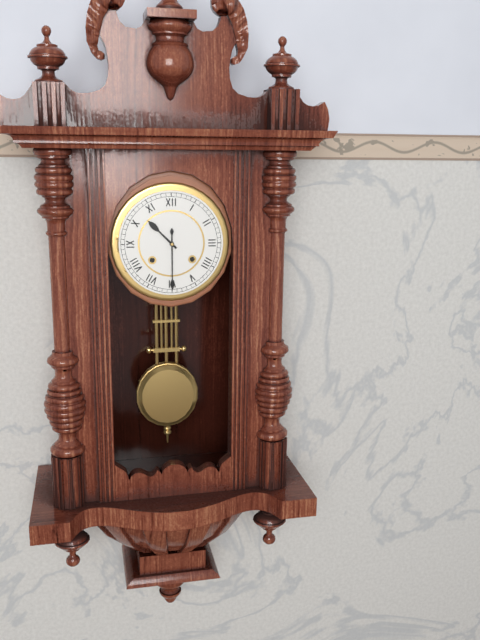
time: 10:30
